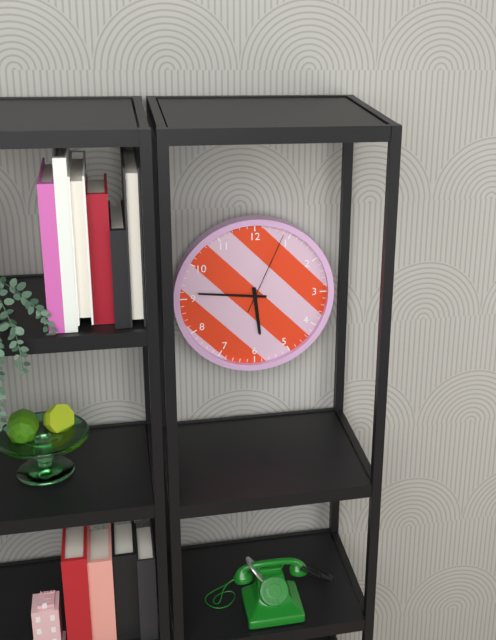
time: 5:46:04
